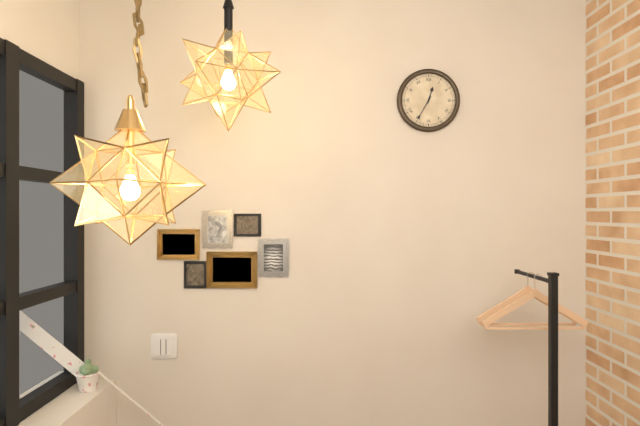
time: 12:35
